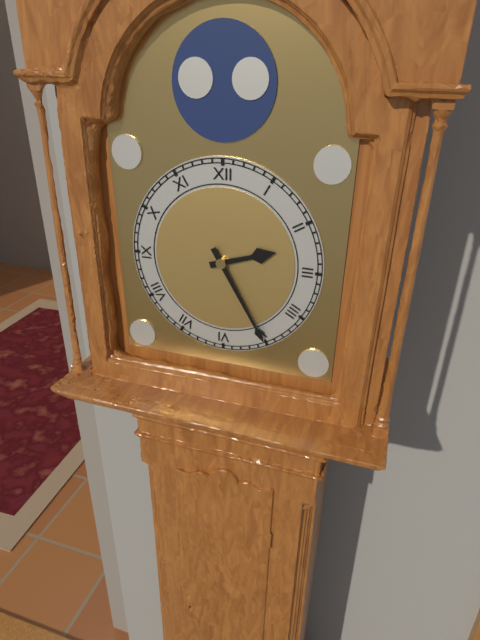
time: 2:25
